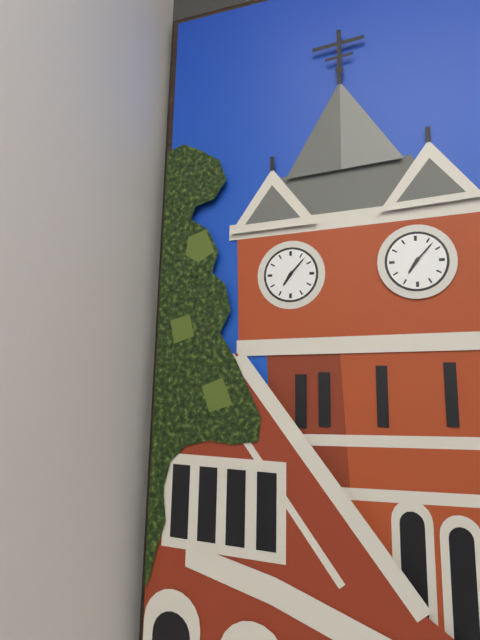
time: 7:07
